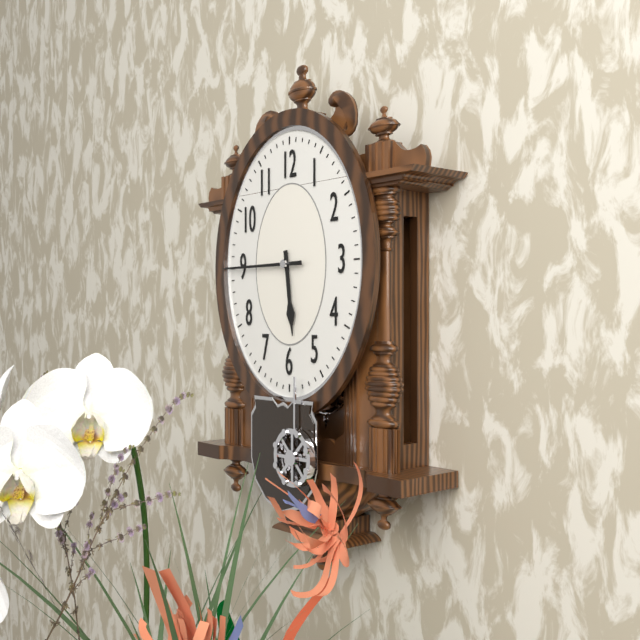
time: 5:45
